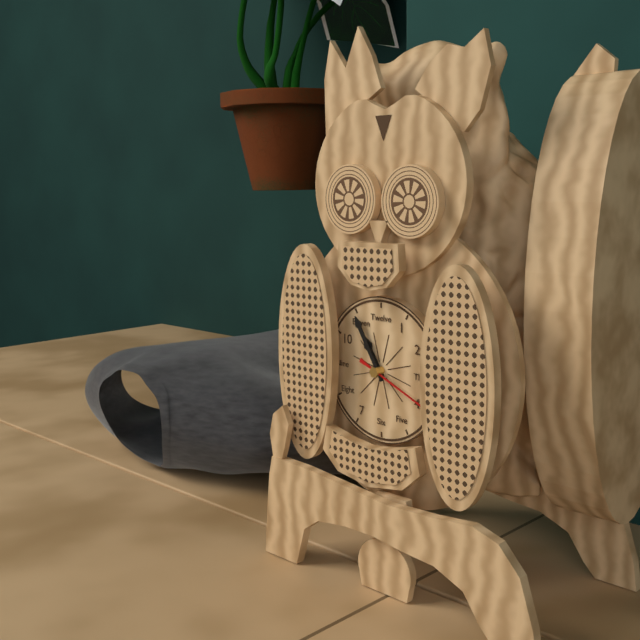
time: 10:55:19
